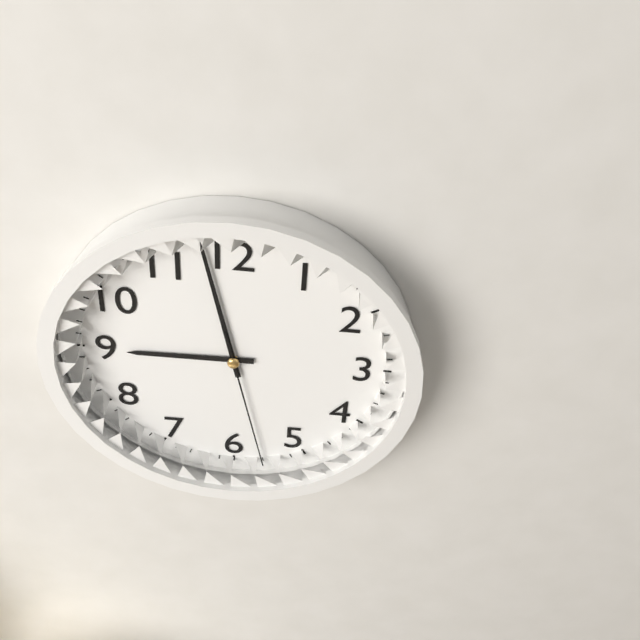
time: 8:58:28
